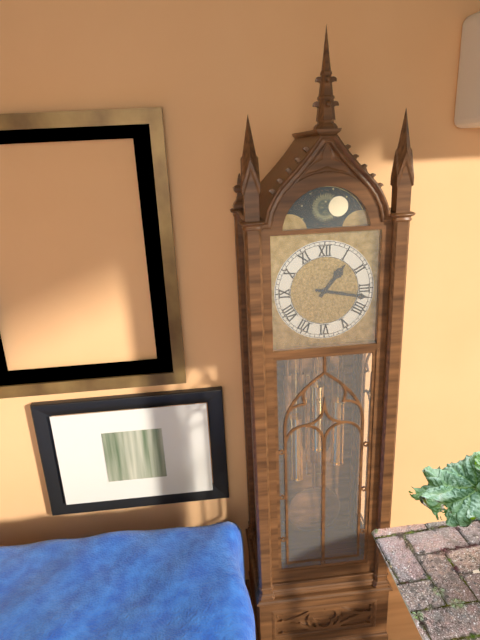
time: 1:17
